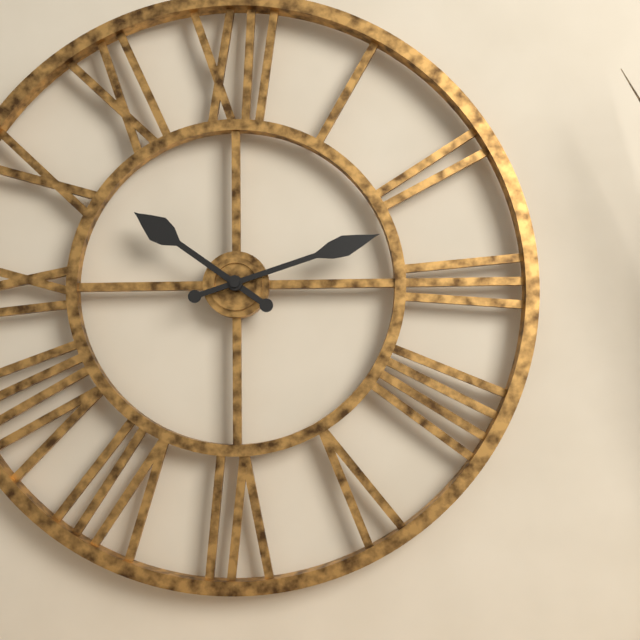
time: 10:12
